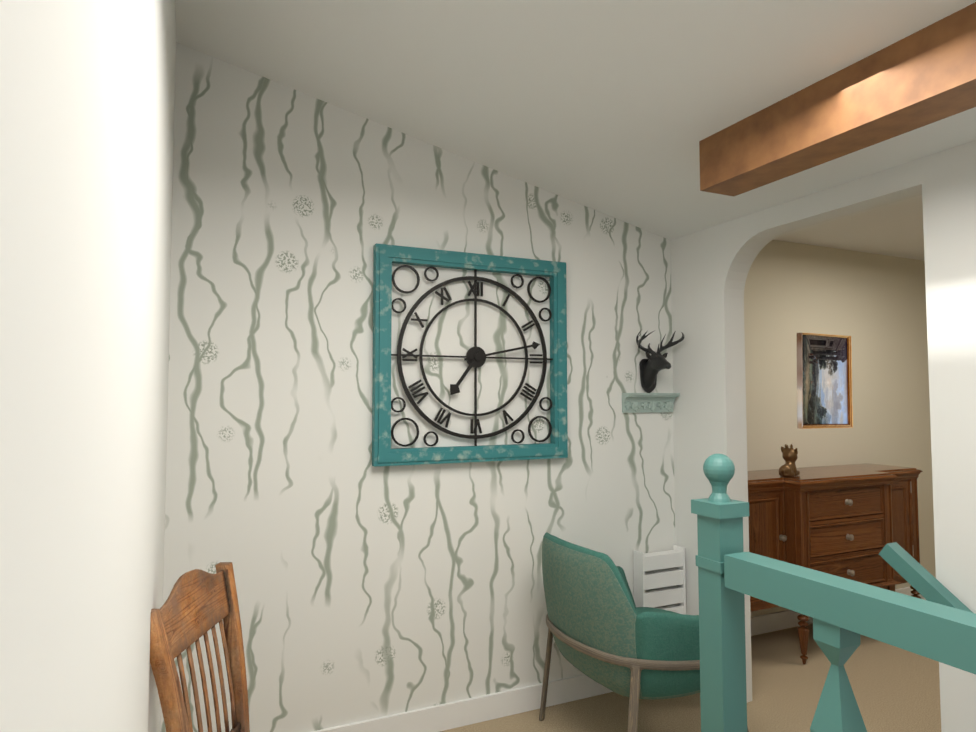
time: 7:13
